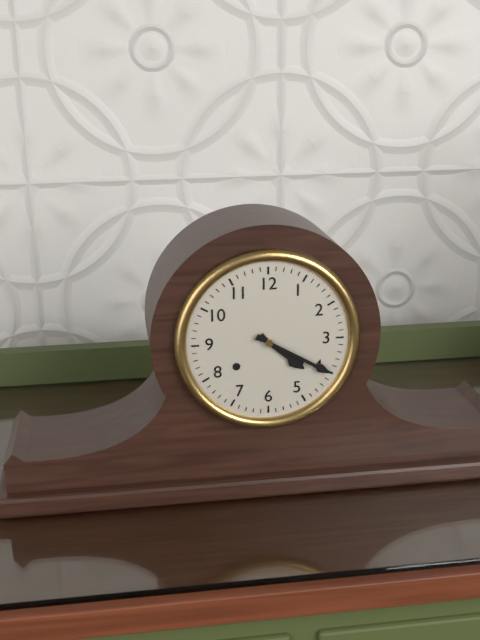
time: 4:20
